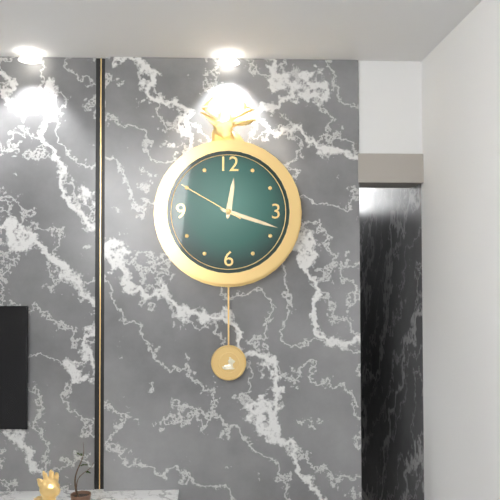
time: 12:18:50
